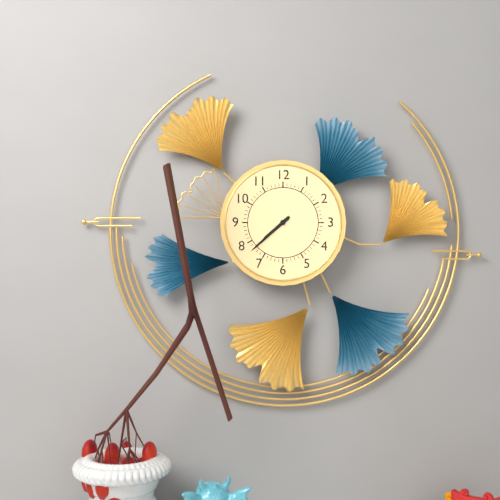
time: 7:38
